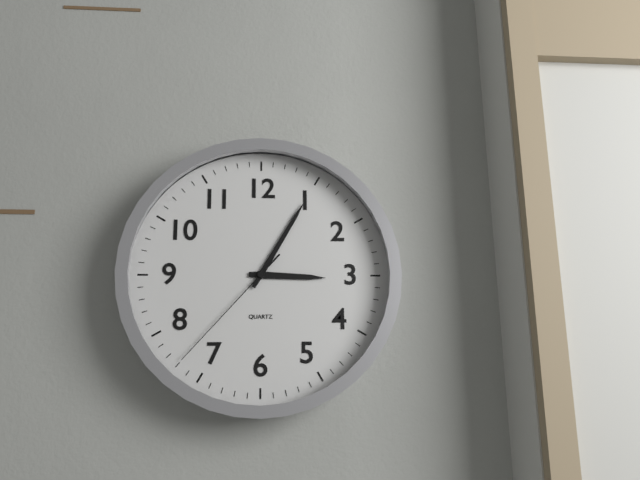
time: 3:05:37
